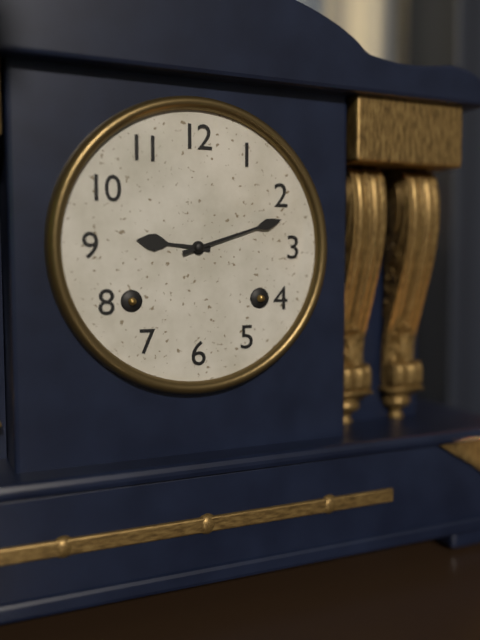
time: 9:12
